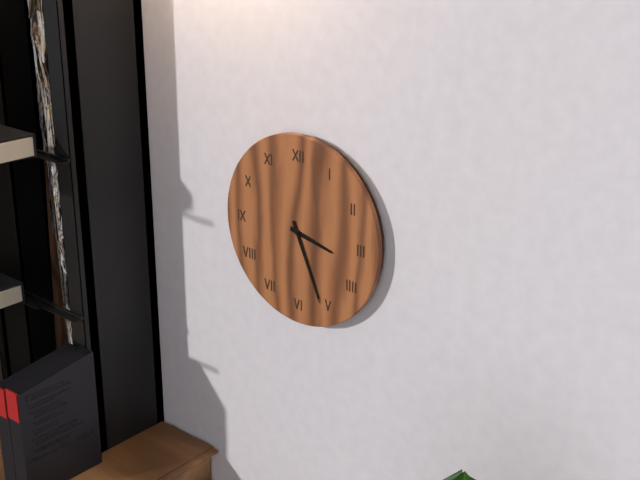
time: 3:26
